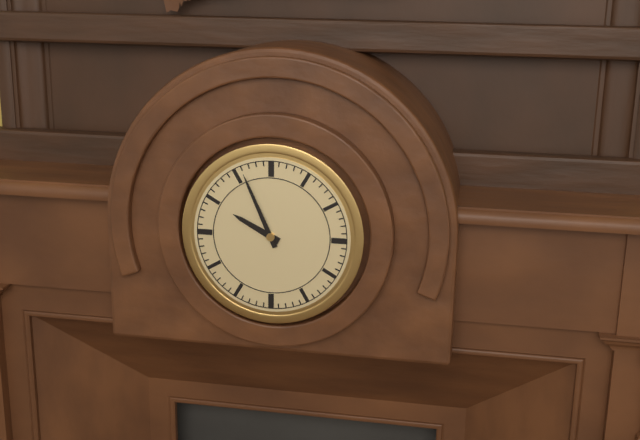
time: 9:56
